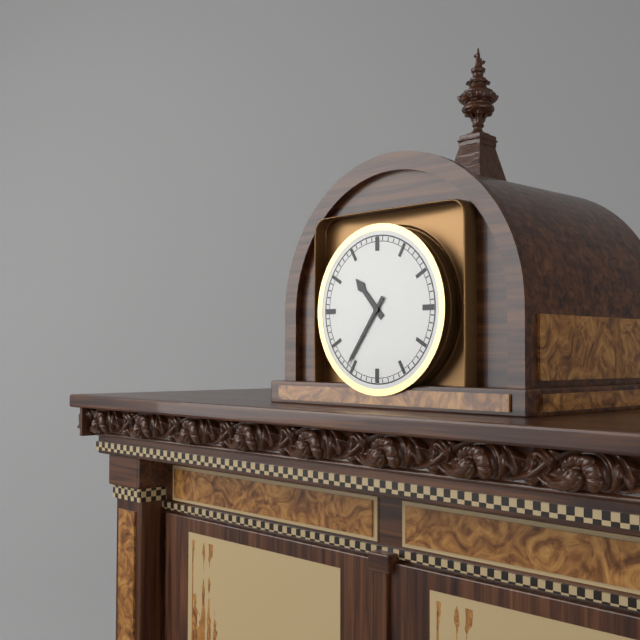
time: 10:36
